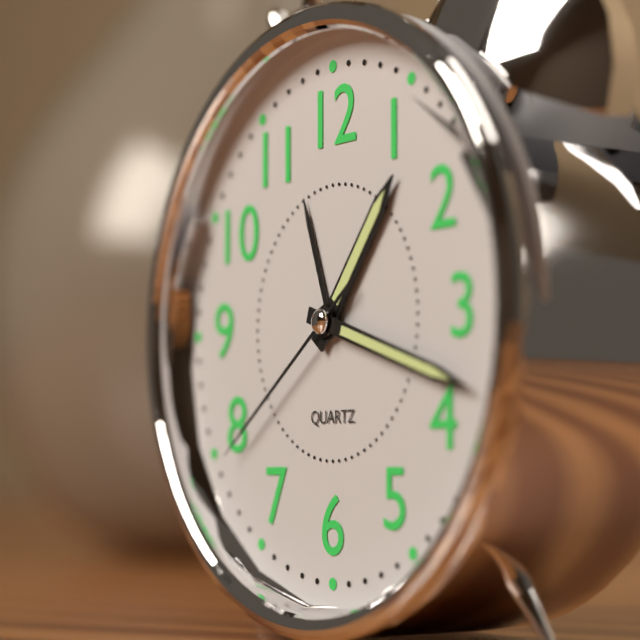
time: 1:18:39
